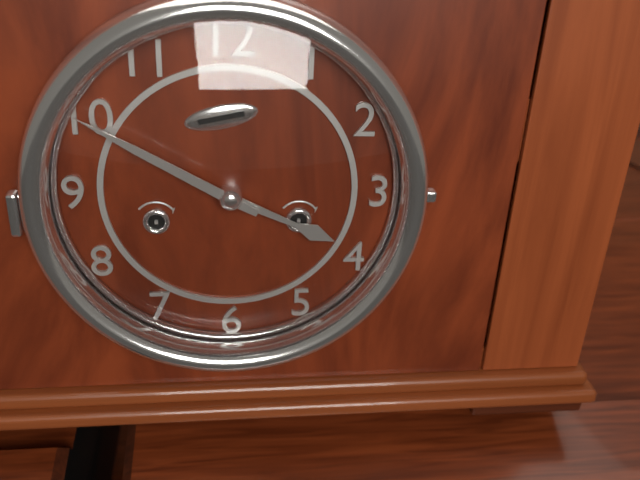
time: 3:50
